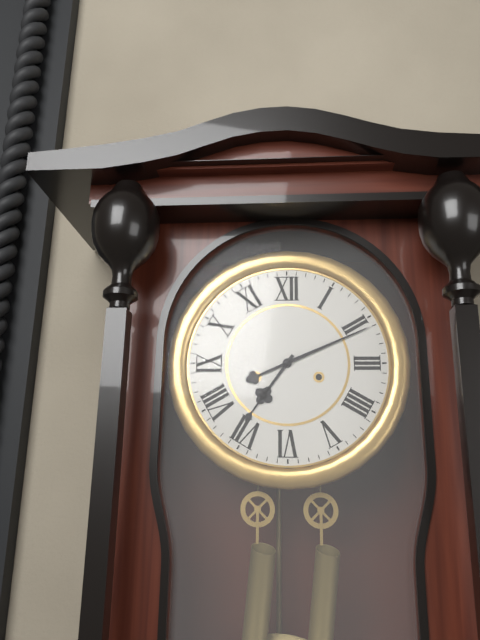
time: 7:11
